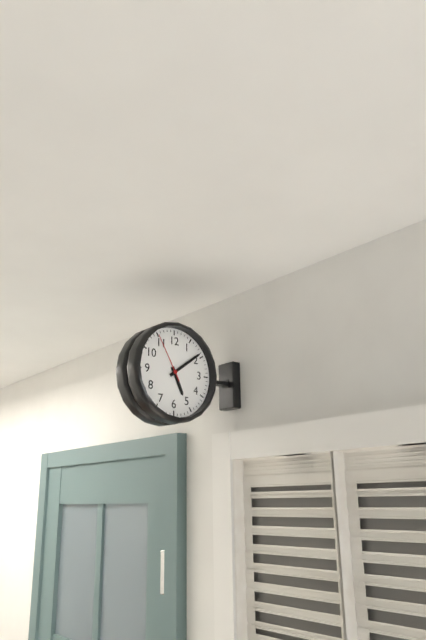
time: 5:09:55
